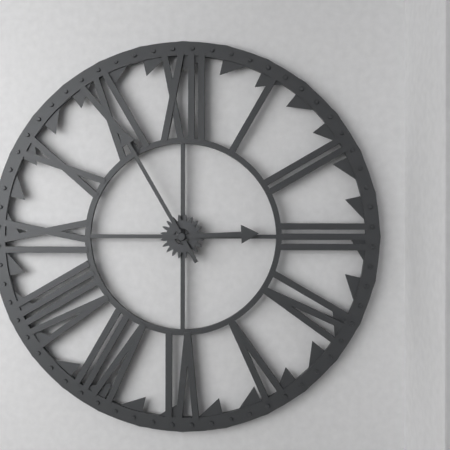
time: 2:55
